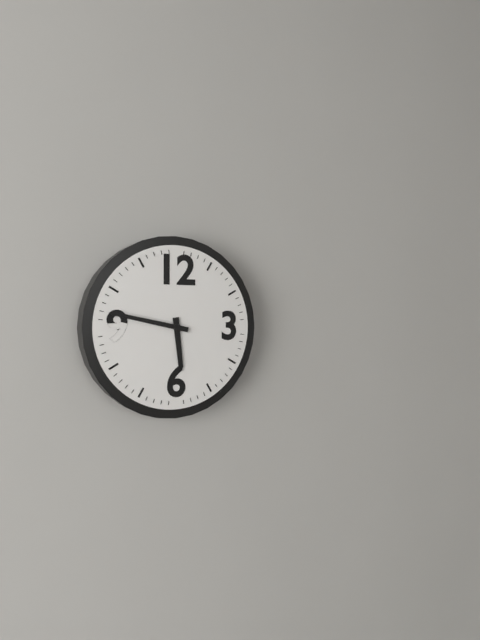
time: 5:47
